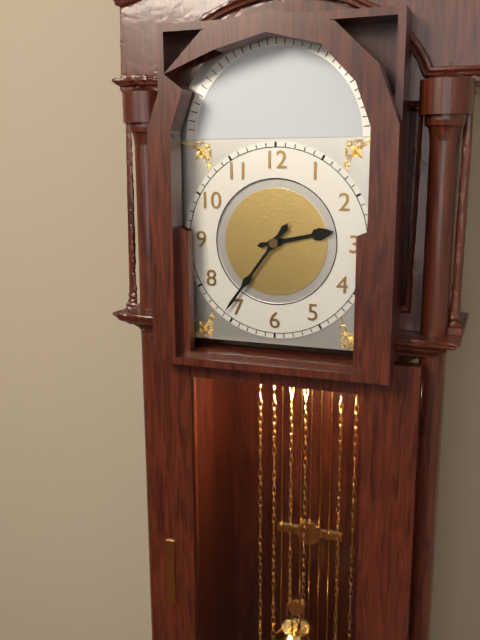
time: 2:36
